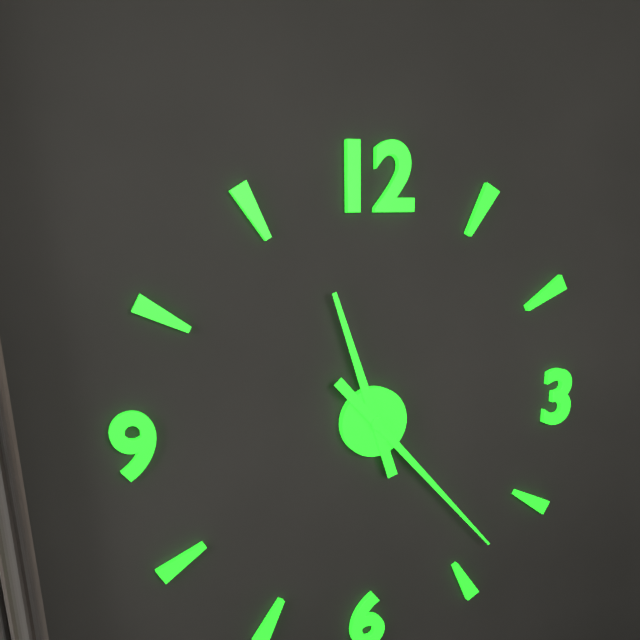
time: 11:23
